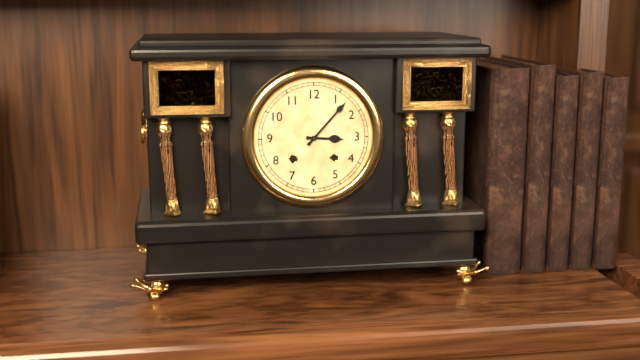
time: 3:07
